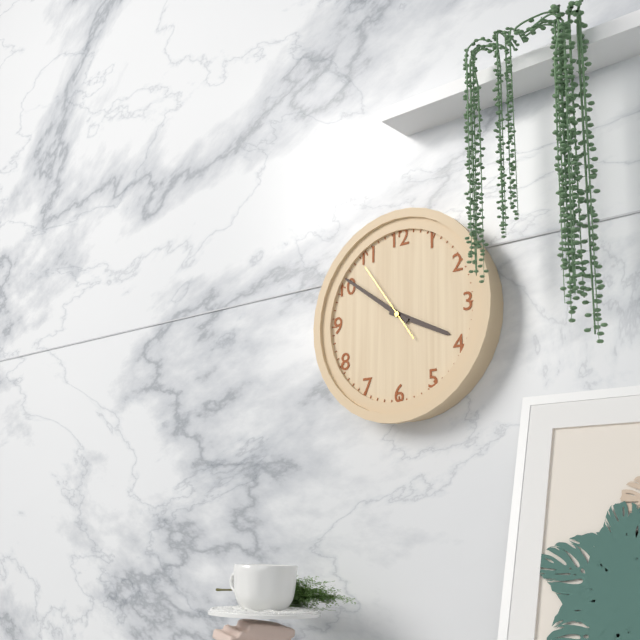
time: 3:51:54
